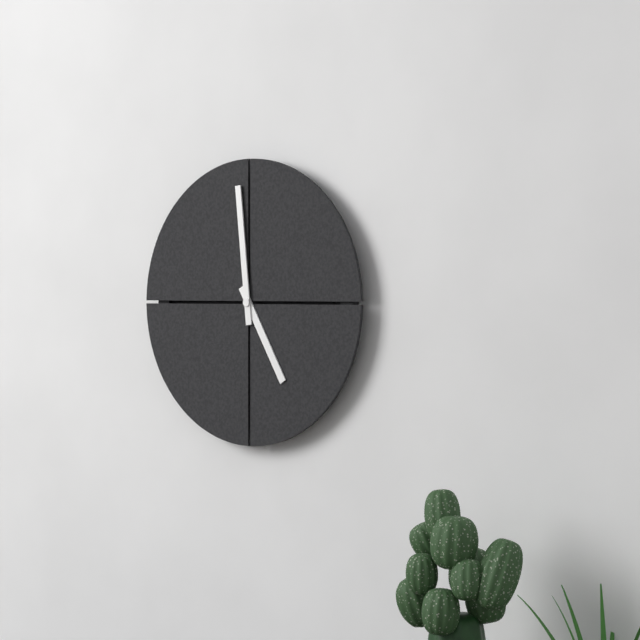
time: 4:59
